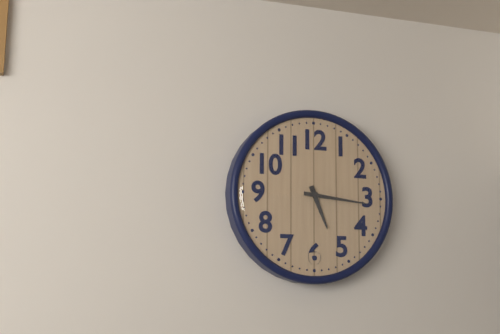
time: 5:16
